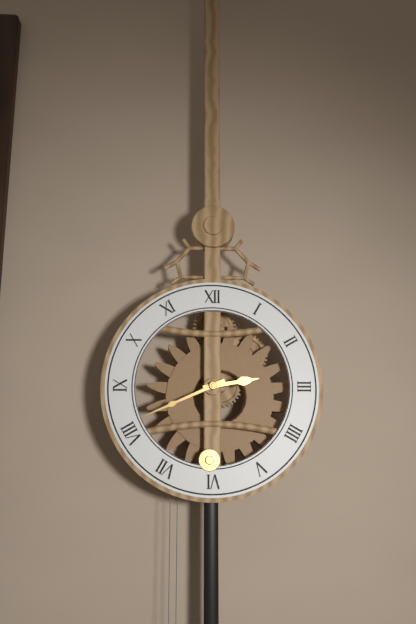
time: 2:41
